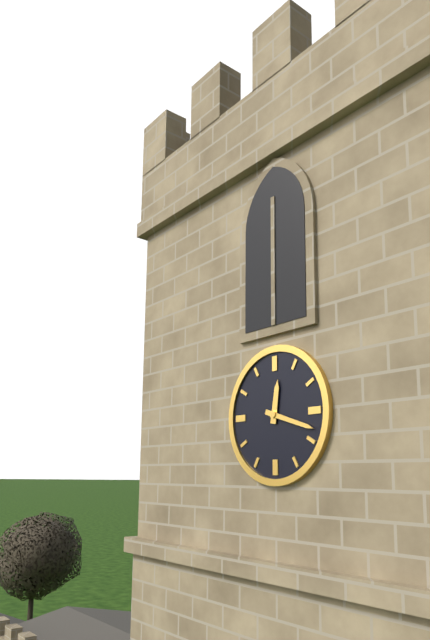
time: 12:18
